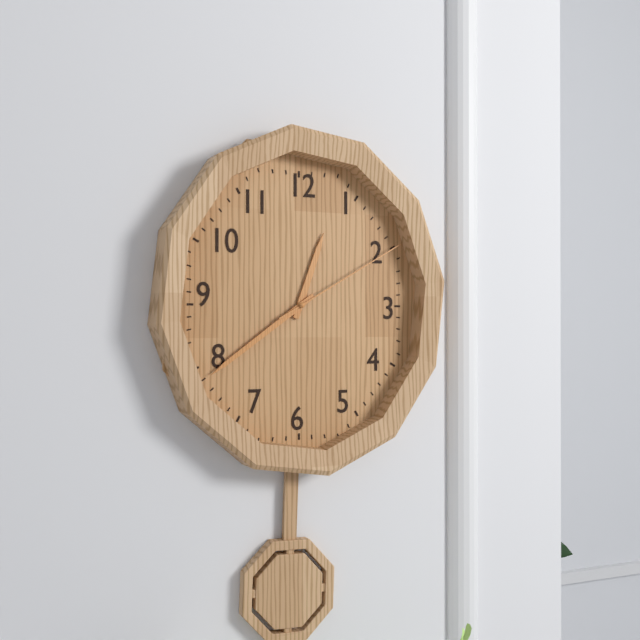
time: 12:39:10
